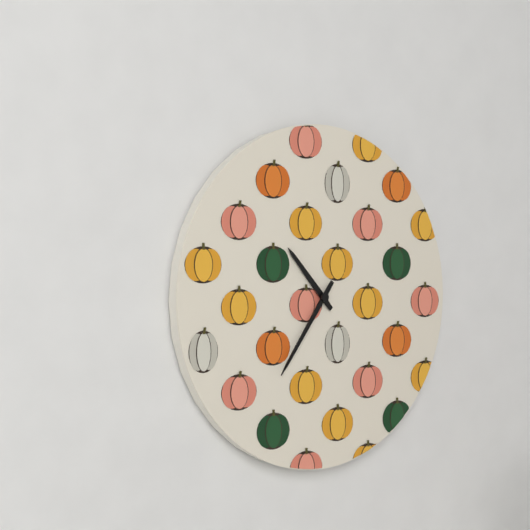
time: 10:36
